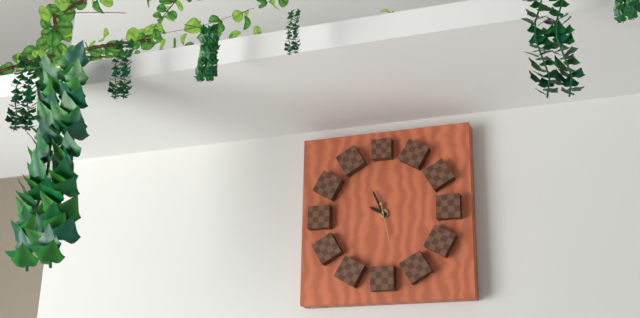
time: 9:56
